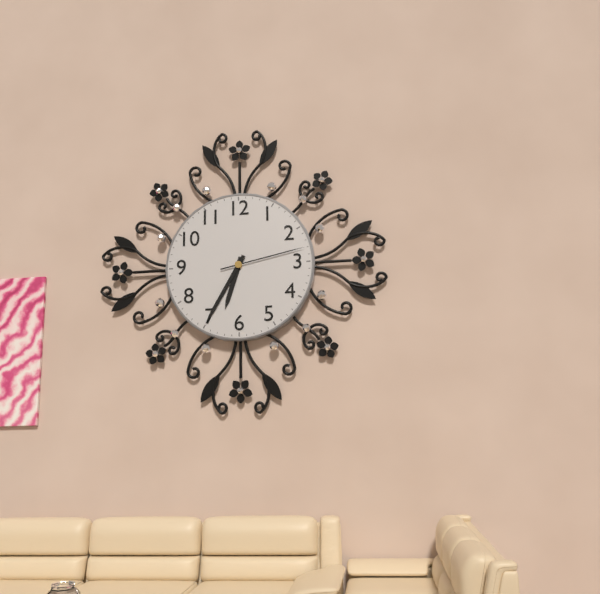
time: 6:35:13
